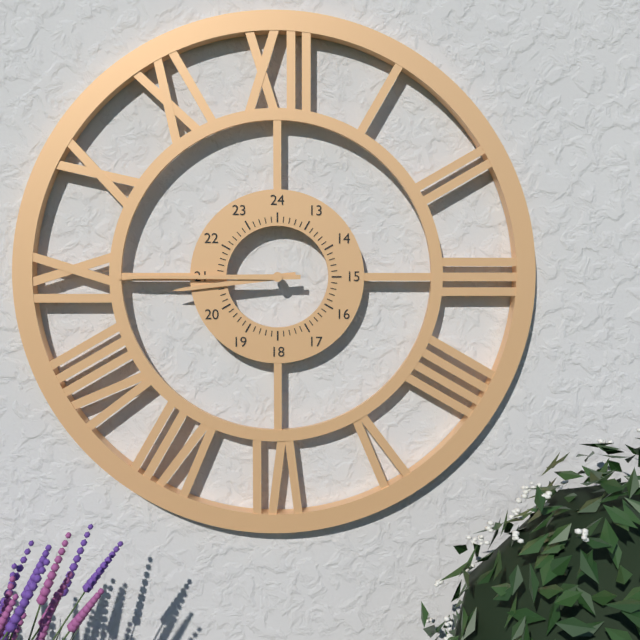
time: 8:45
